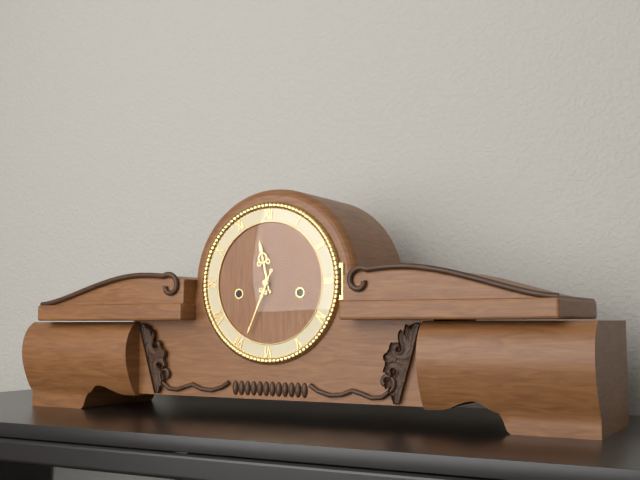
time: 11:34
